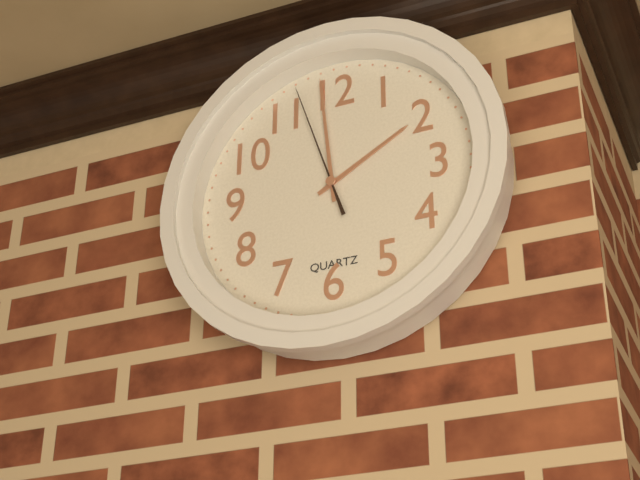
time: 1:59:57
